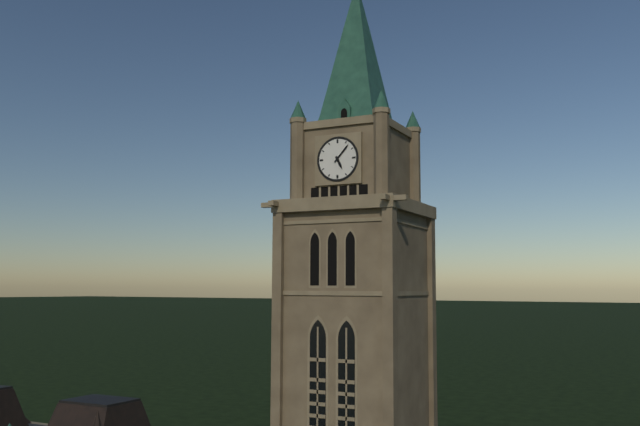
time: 5:07
